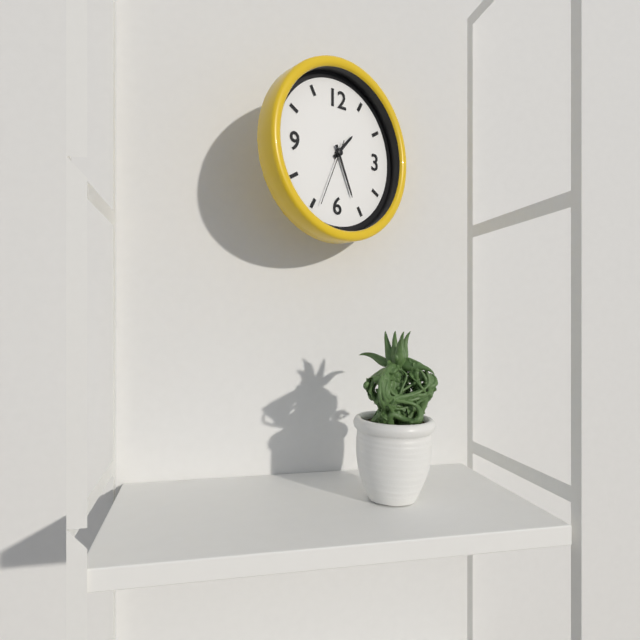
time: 1:26:34
